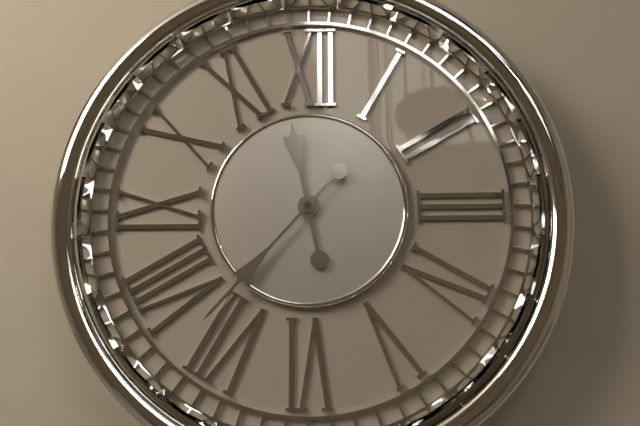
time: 11:37
